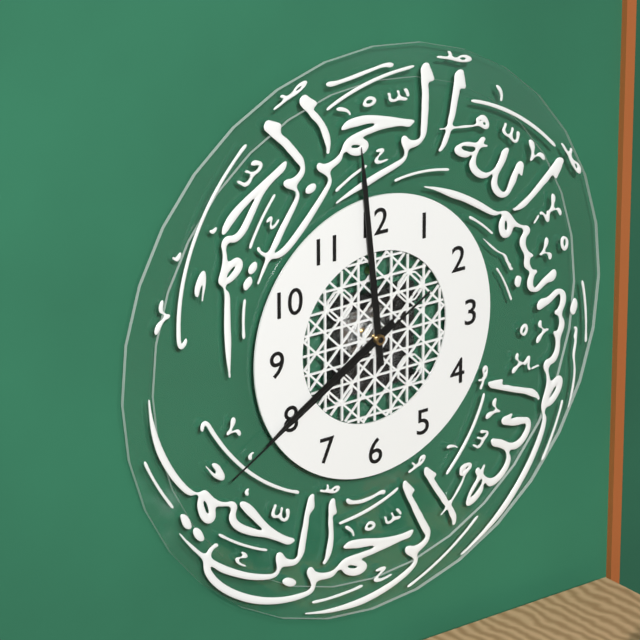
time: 7:59:40
